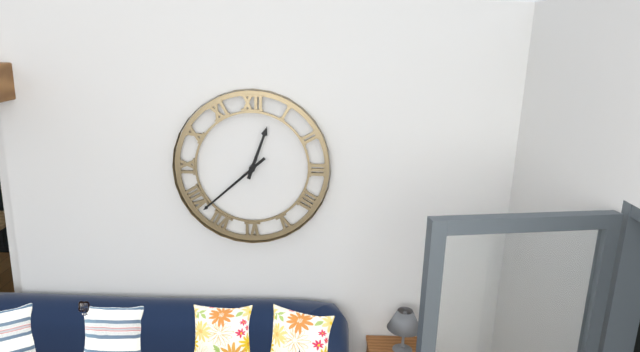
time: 12:38
